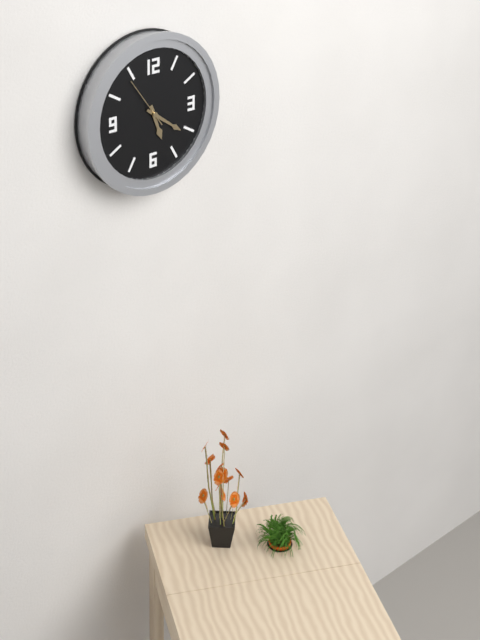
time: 5:21:54
